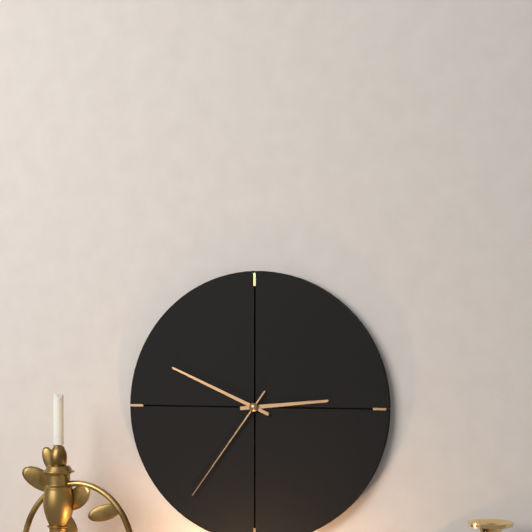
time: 2:49:36
